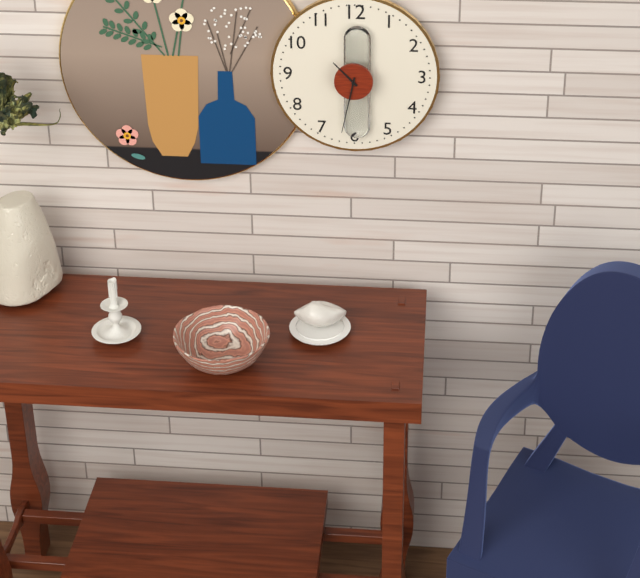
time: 10:32
